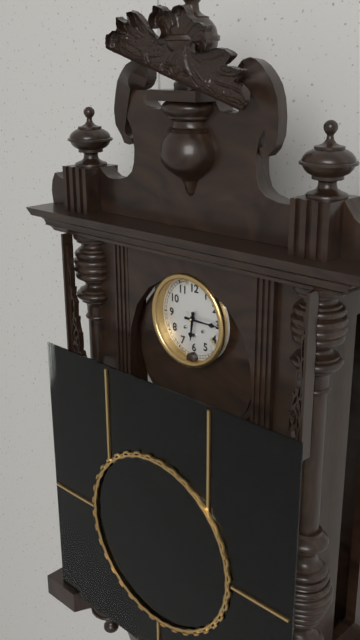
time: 6:15
